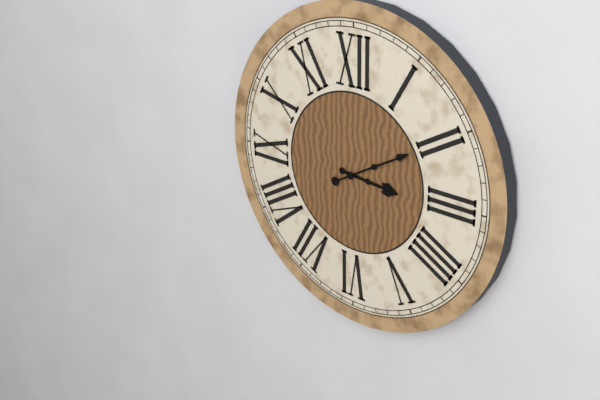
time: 3:10
